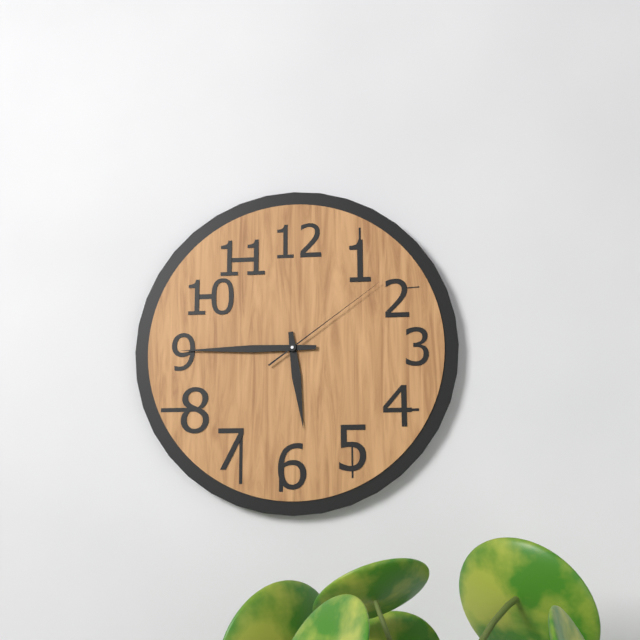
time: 5:45:09
